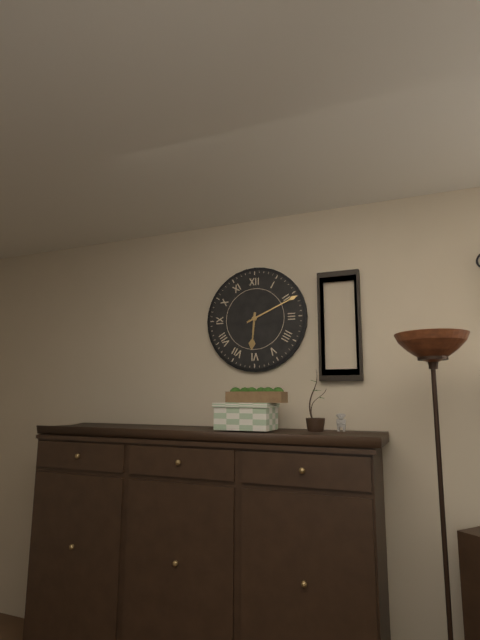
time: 6:11
